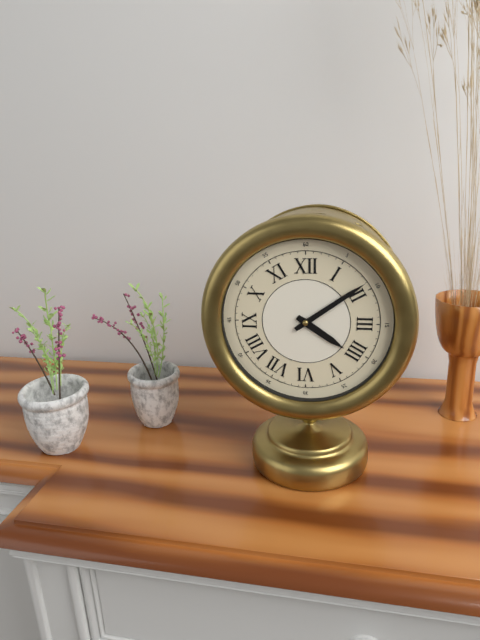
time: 4:09
